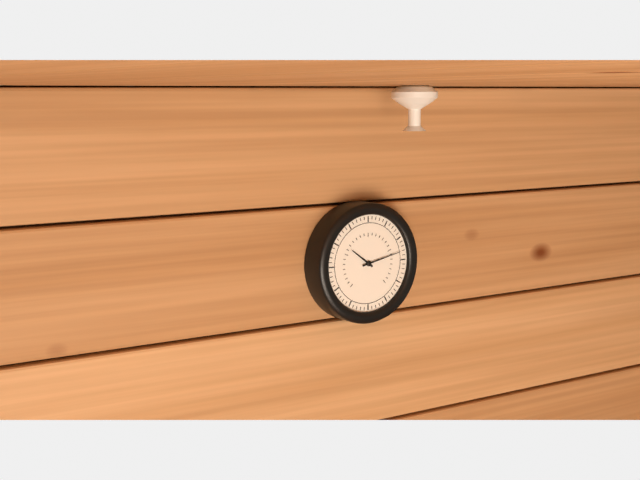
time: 10:13
